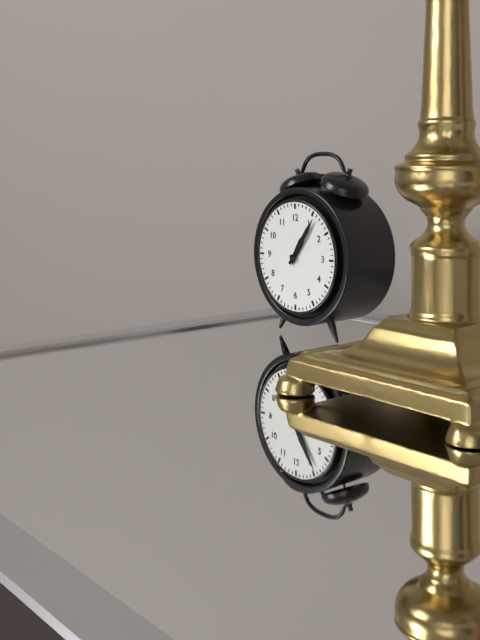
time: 1:06
